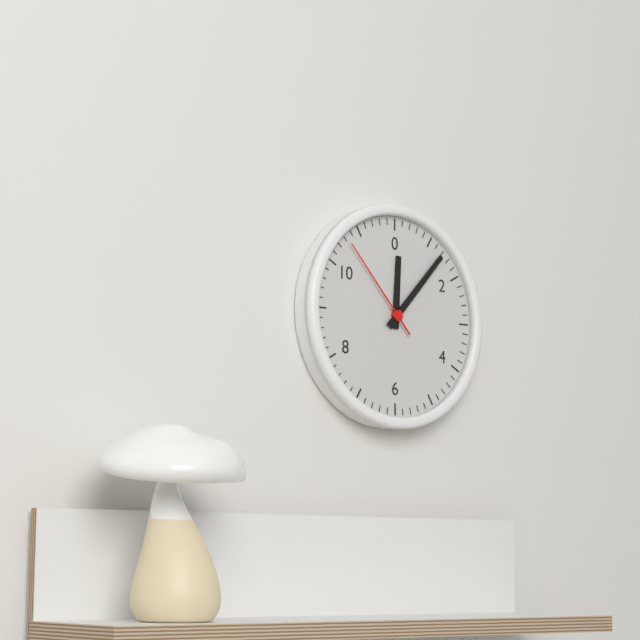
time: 12:07:53
